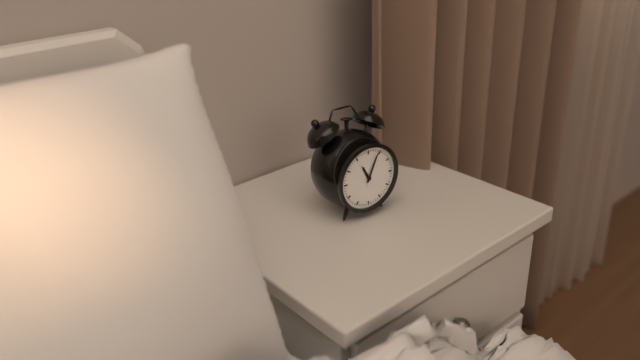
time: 11:04
